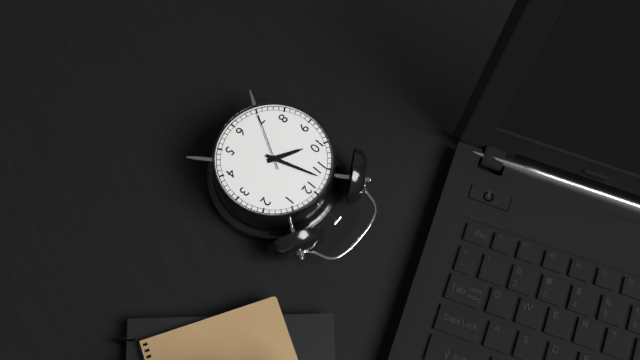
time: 9:57:35
